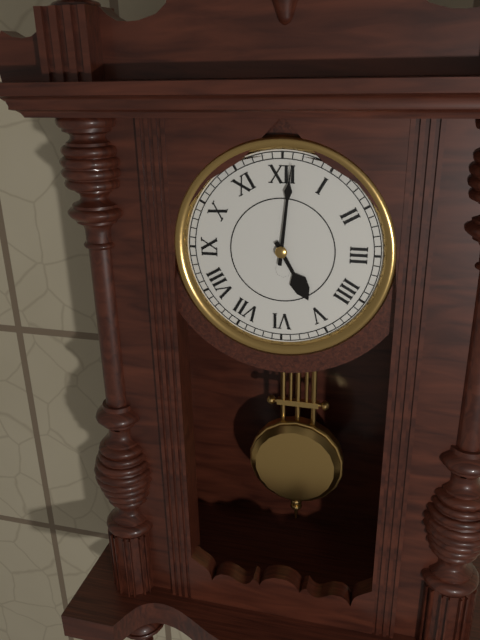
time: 5:01
